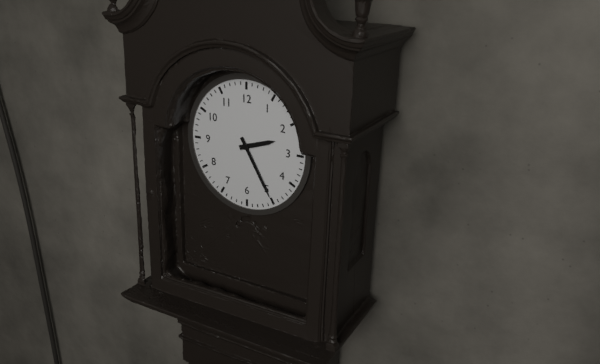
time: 2:25
